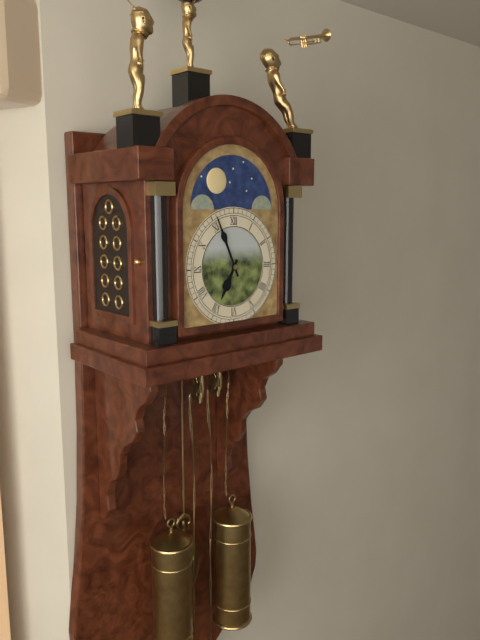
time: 6:56
